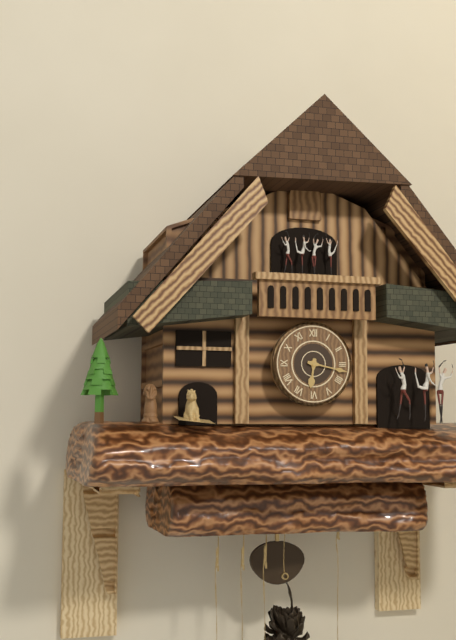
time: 6:17
